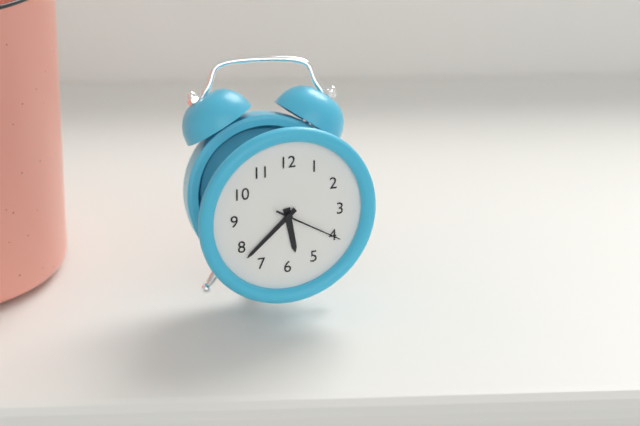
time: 5:38:20
